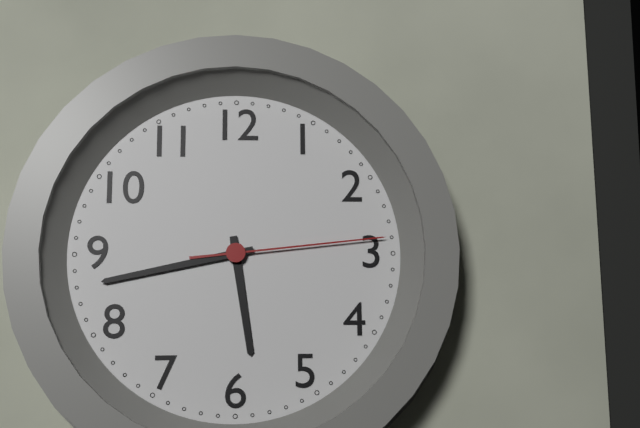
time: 5:43:14
